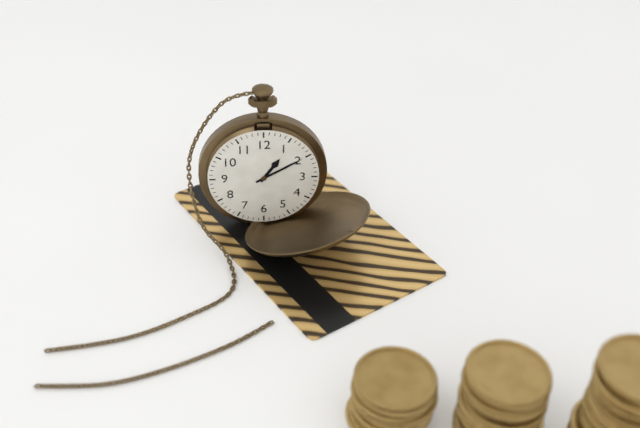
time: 1:10
